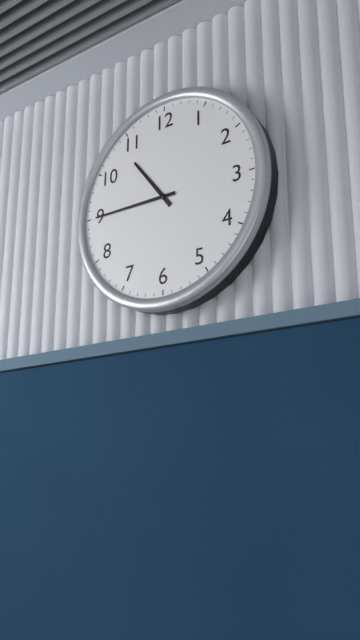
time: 10:45
